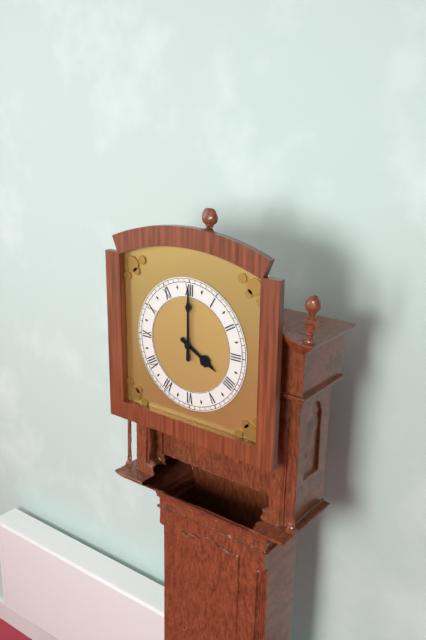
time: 4:00
